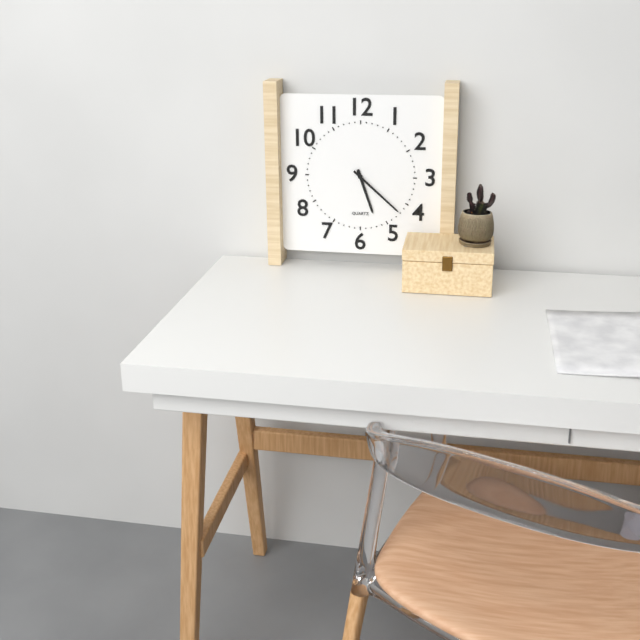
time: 5:22
